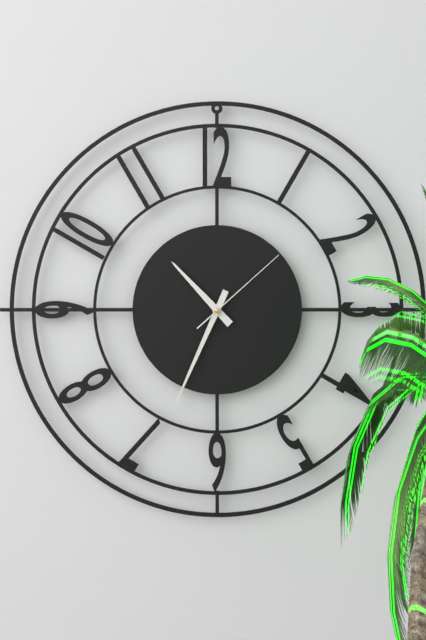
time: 10:34:08
